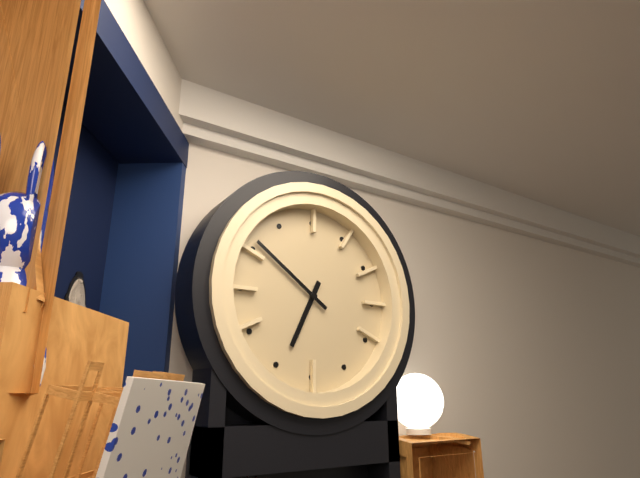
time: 6:51
